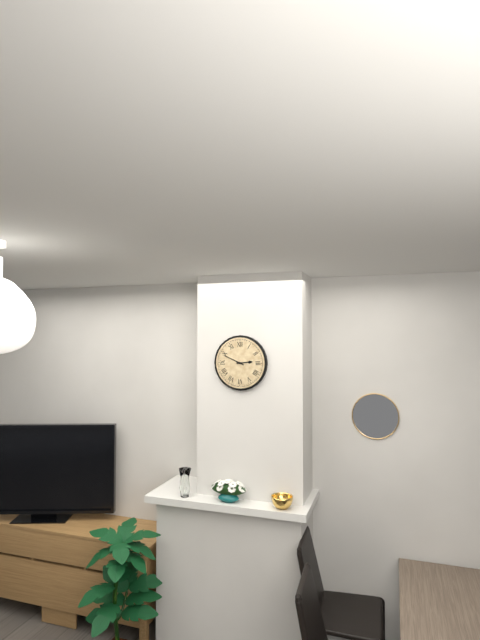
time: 2:49
